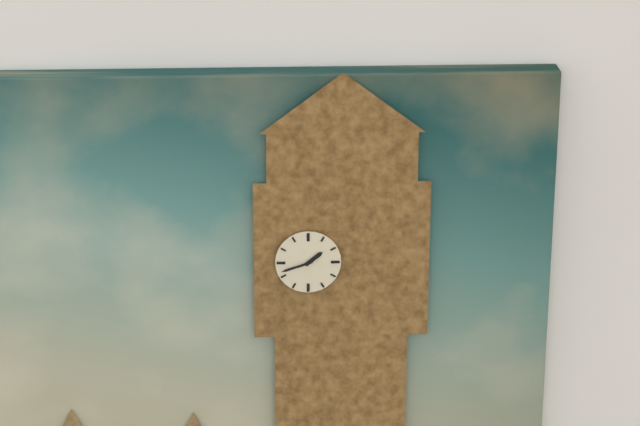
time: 1:42
